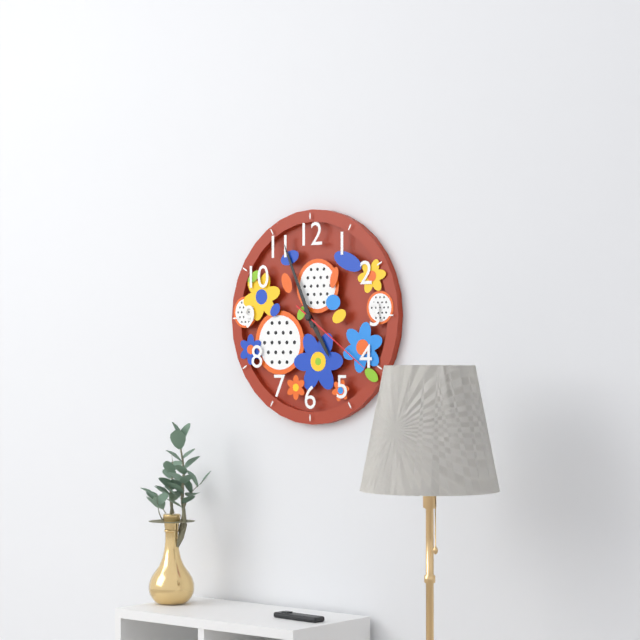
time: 4:56:21
